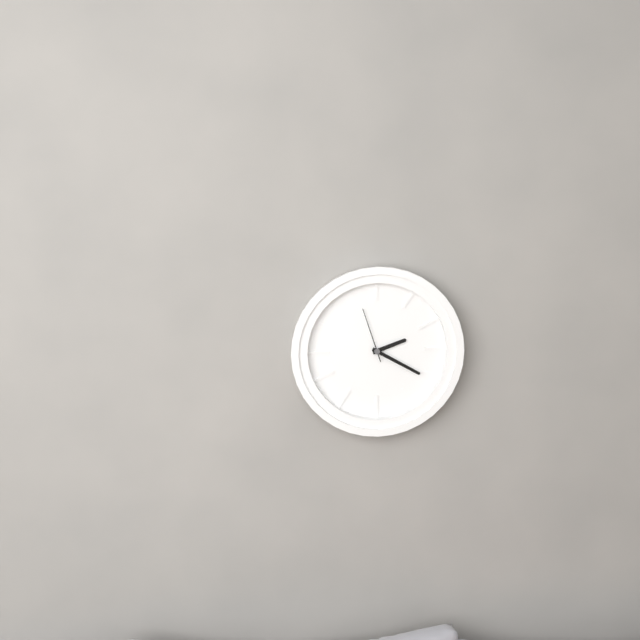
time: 2:20:57
